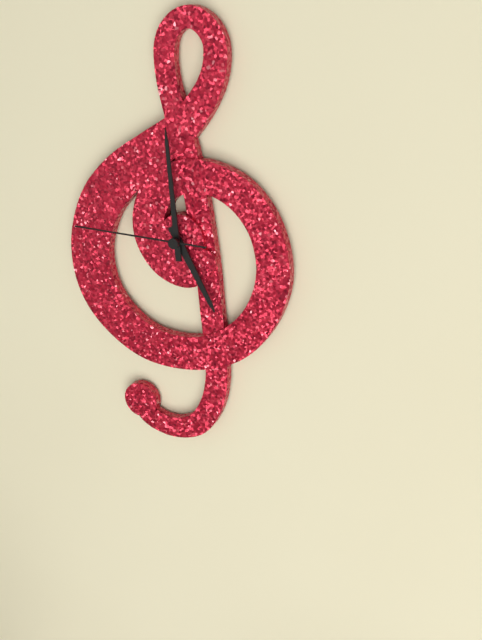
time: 4:59:45
